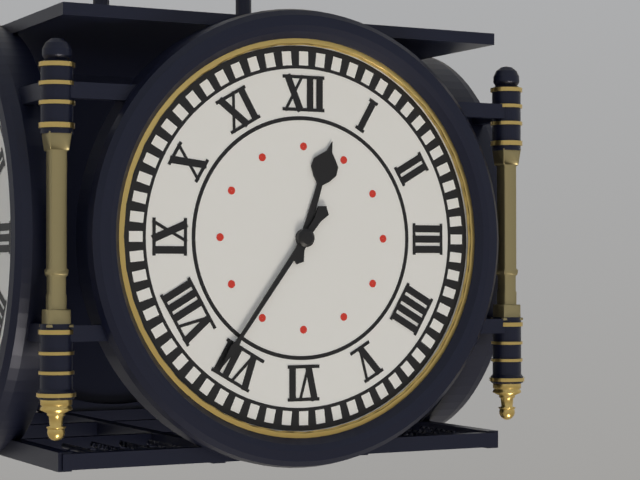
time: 12:36
